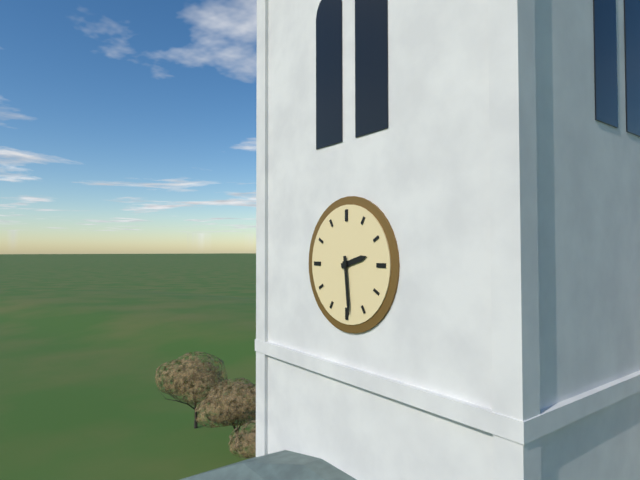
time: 2:29
